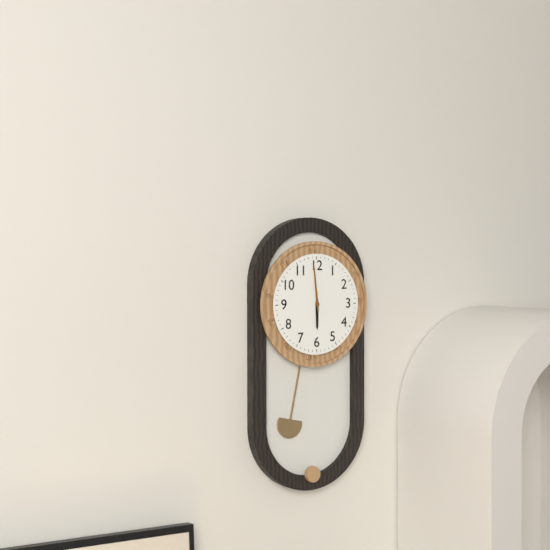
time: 5:59
